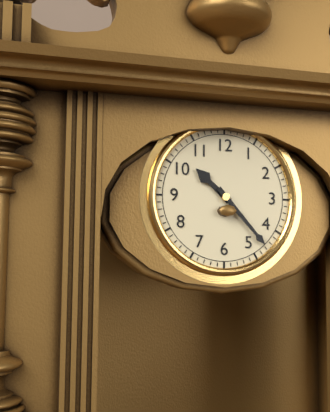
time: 10:23
